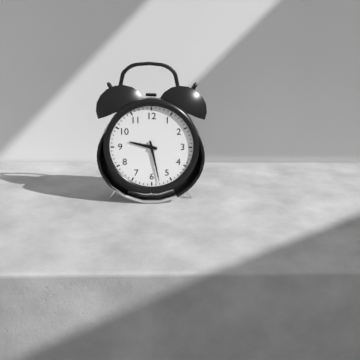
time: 9:28
